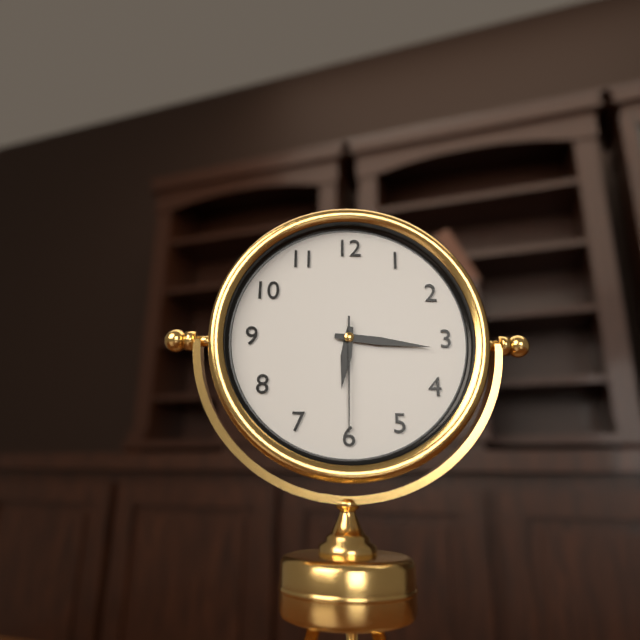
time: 6:16:30
